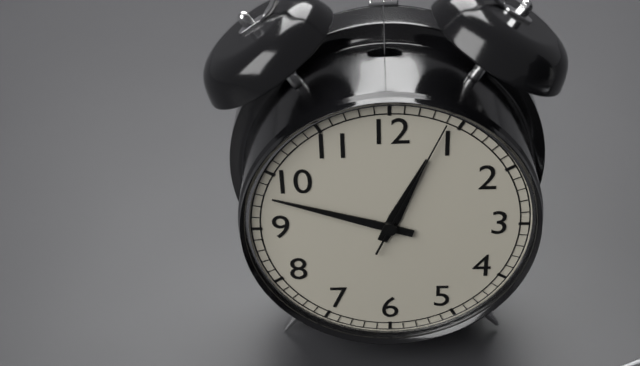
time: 12:48:04
